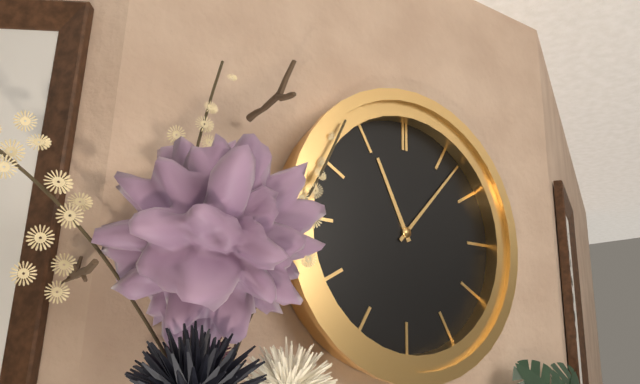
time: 11:07
